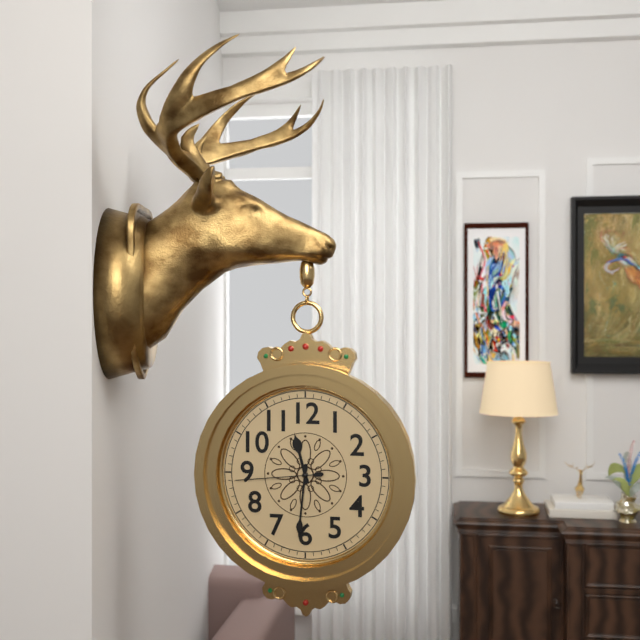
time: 11:31:44
